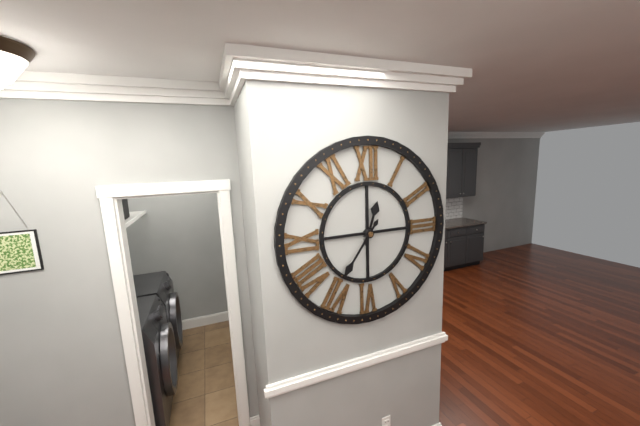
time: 12:36
